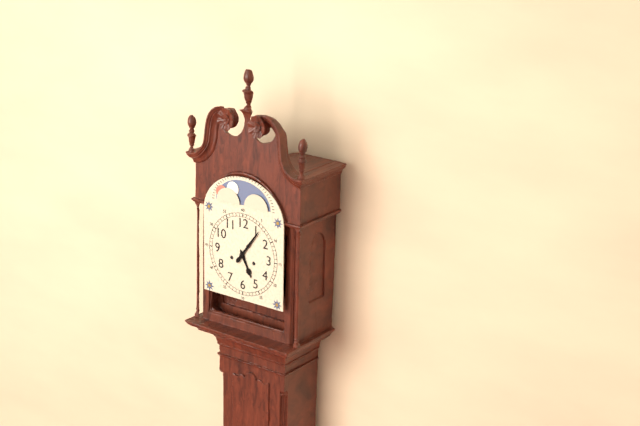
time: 5:06
